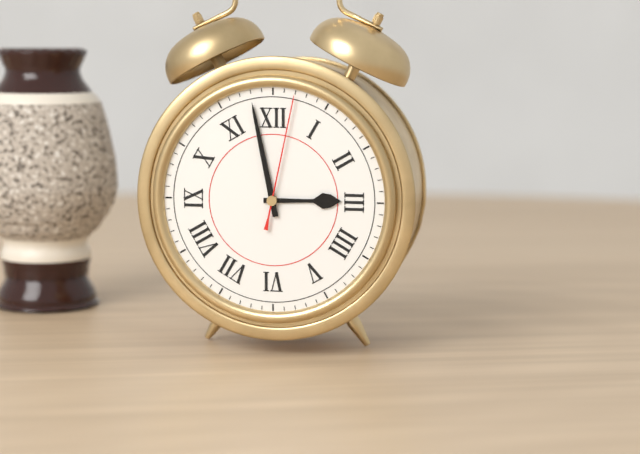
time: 2:58:02
